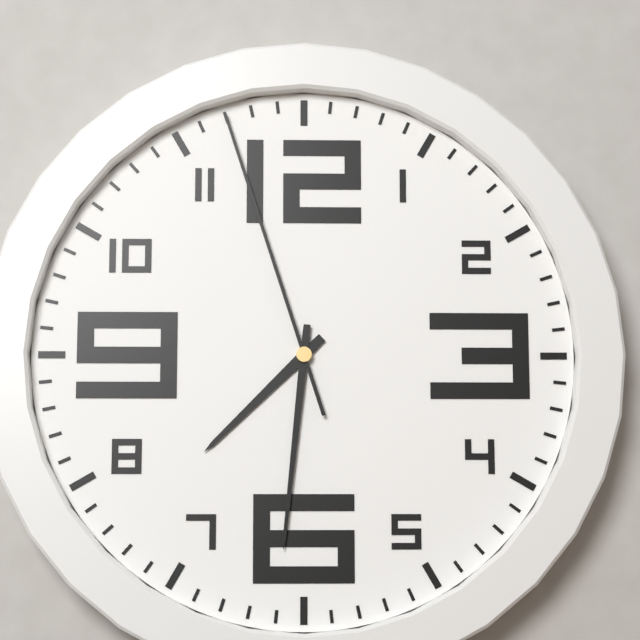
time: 7:31:57
